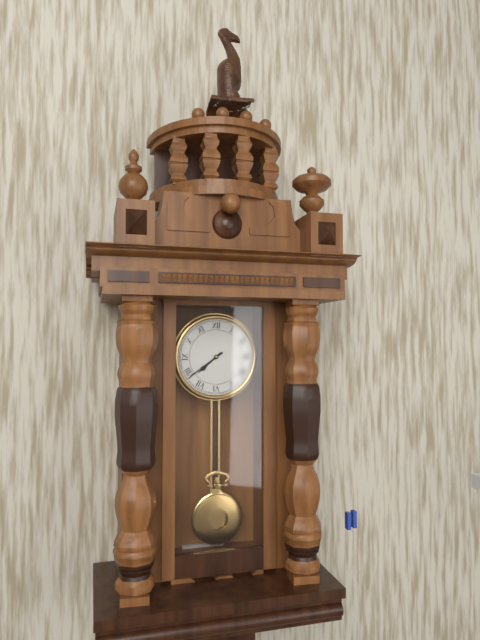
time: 7:39
